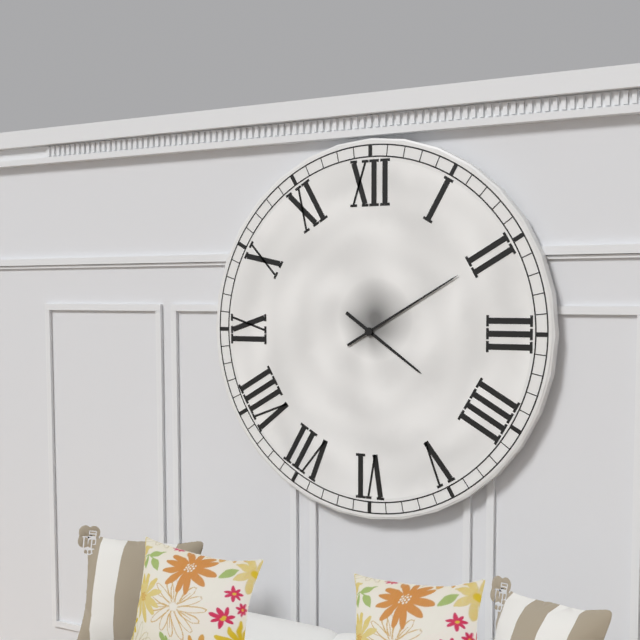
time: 4:10
